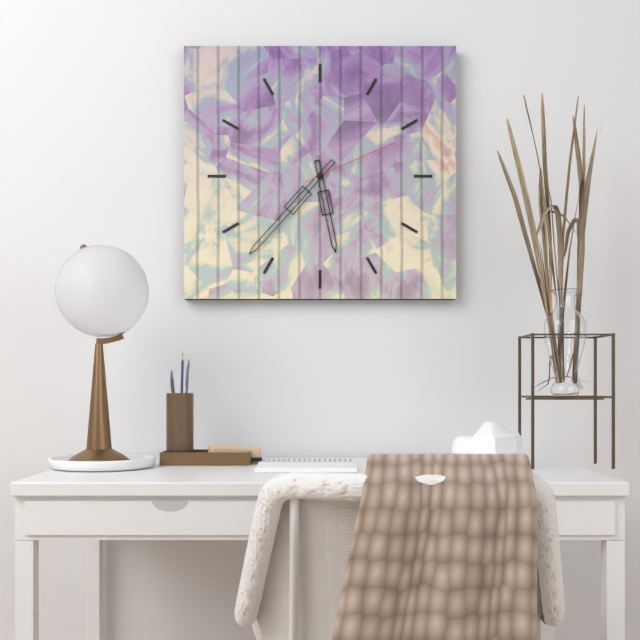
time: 5:37:11
